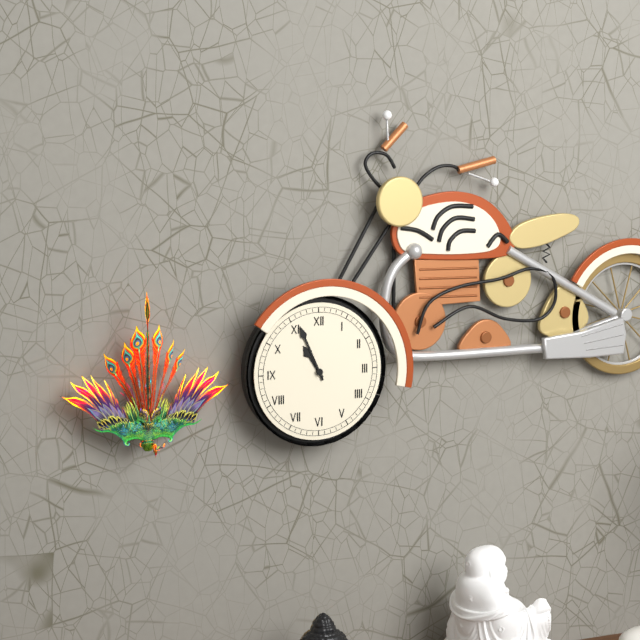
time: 10:56
